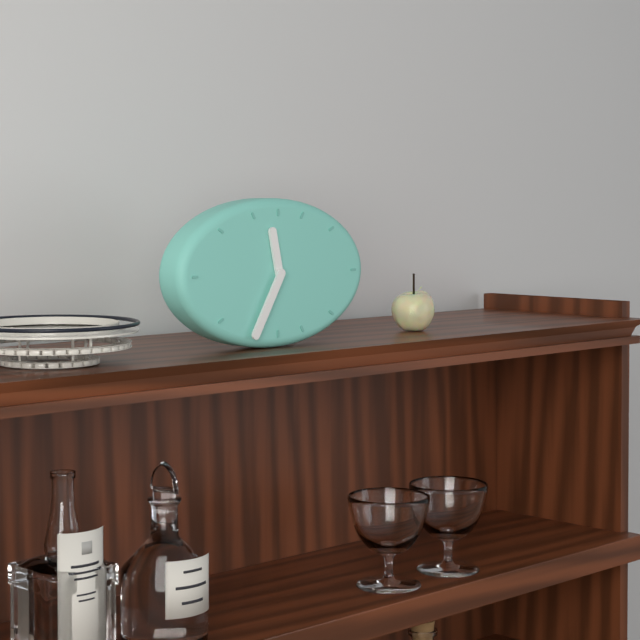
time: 11:35
